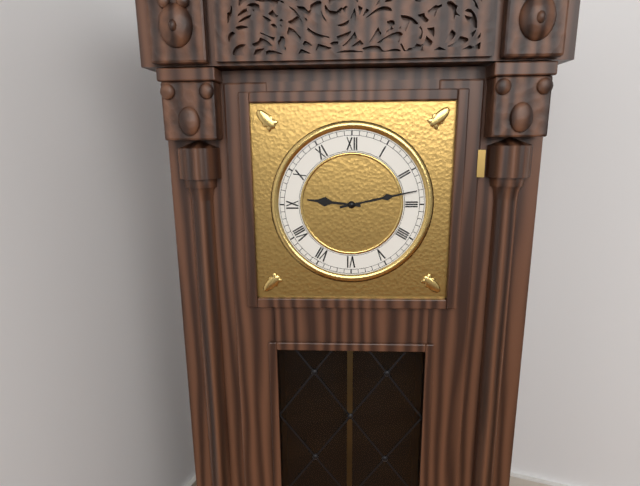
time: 9:13
